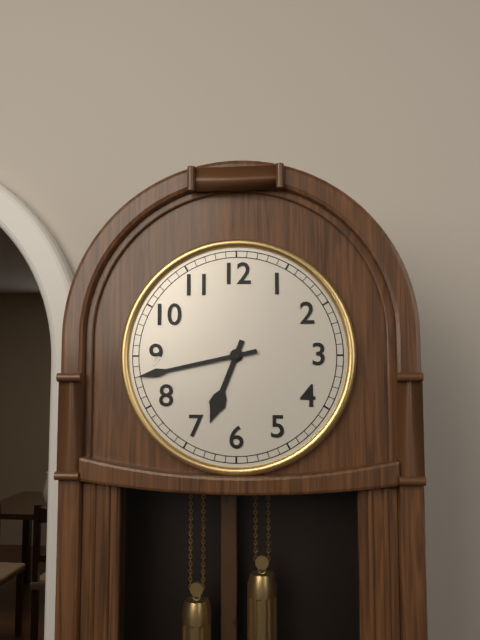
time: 6:43
